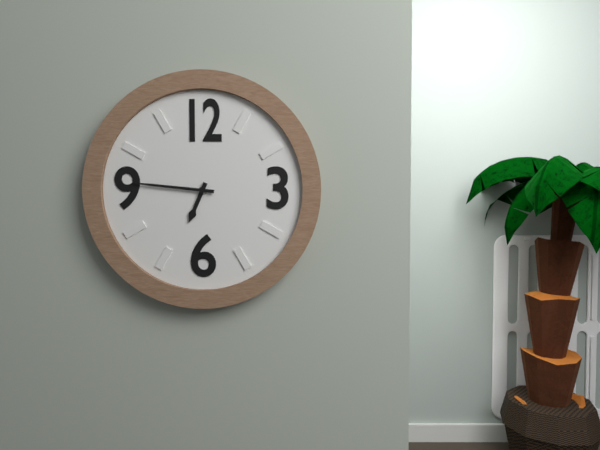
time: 6:46
